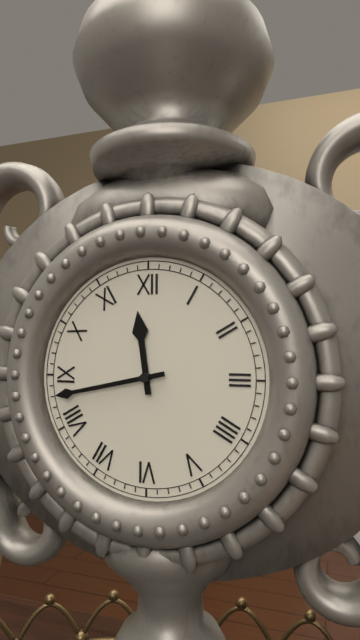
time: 11:43
